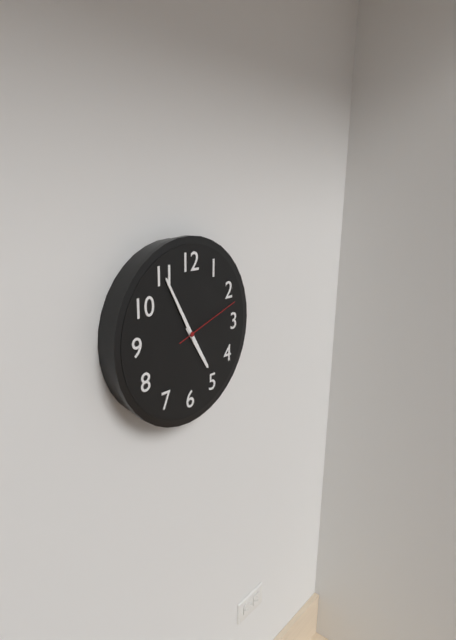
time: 4:55:12
